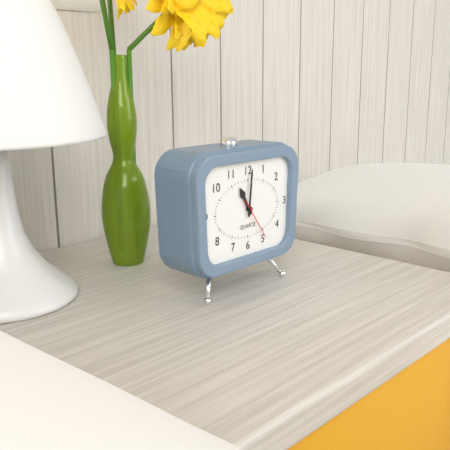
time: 11:01
